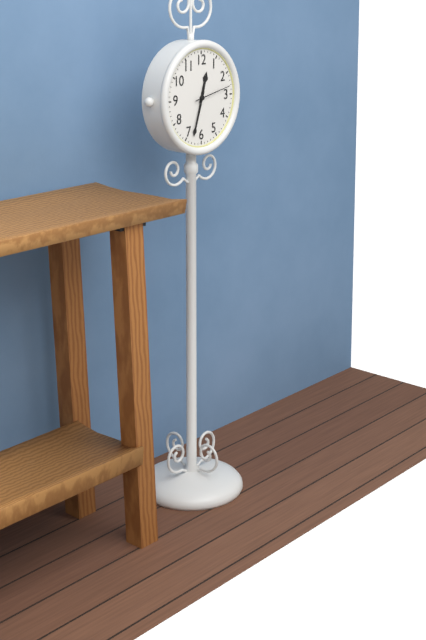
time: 12:33
